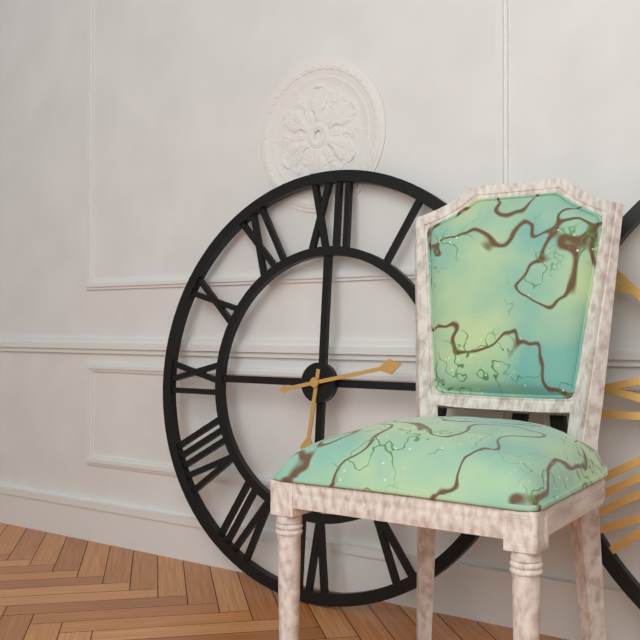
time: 6:13
